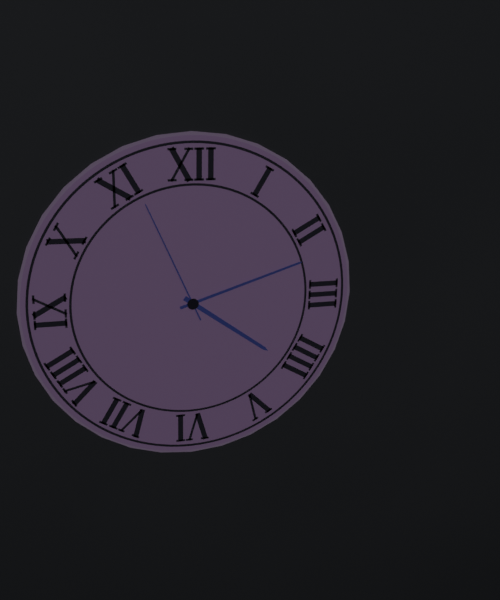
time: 4:12:56
